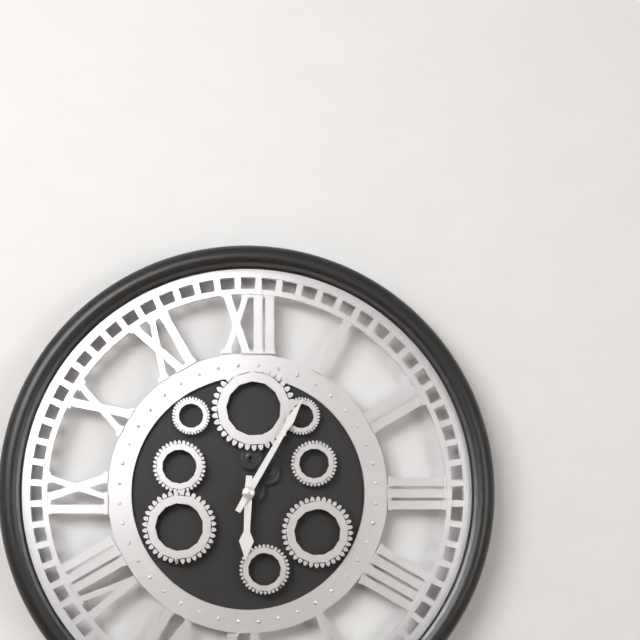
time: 6:05
